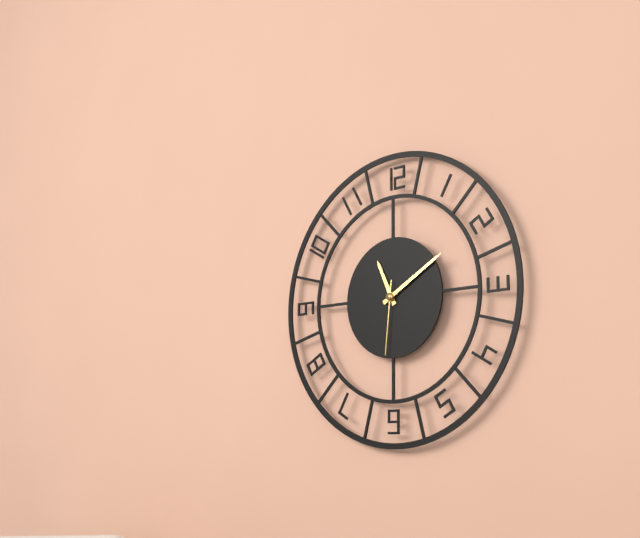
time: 11:10:31
